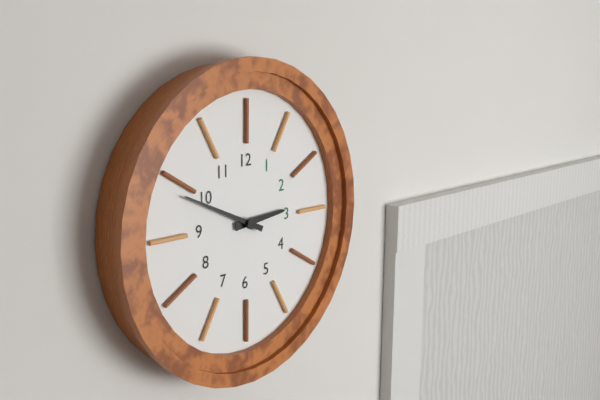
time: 2:49
